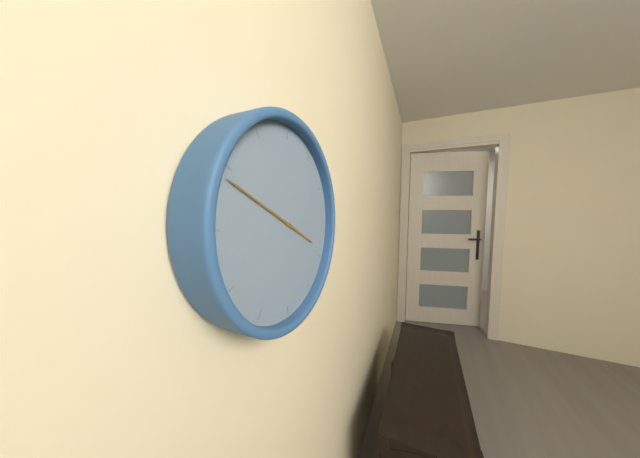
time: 3:49
